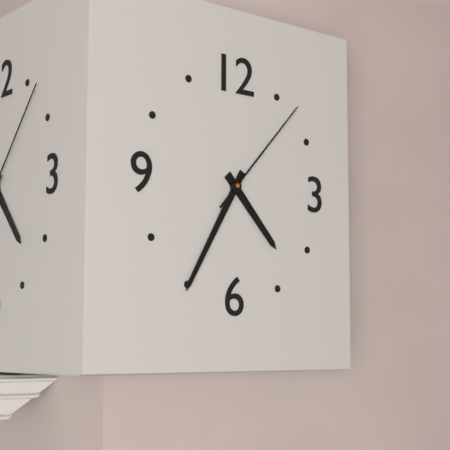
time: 4:35:07
